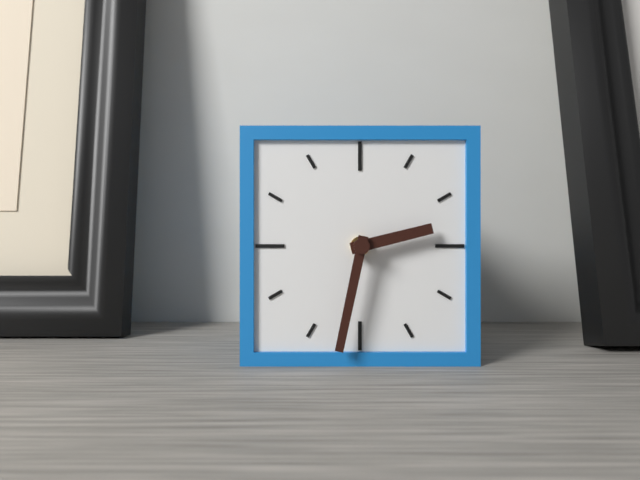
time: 2:32
